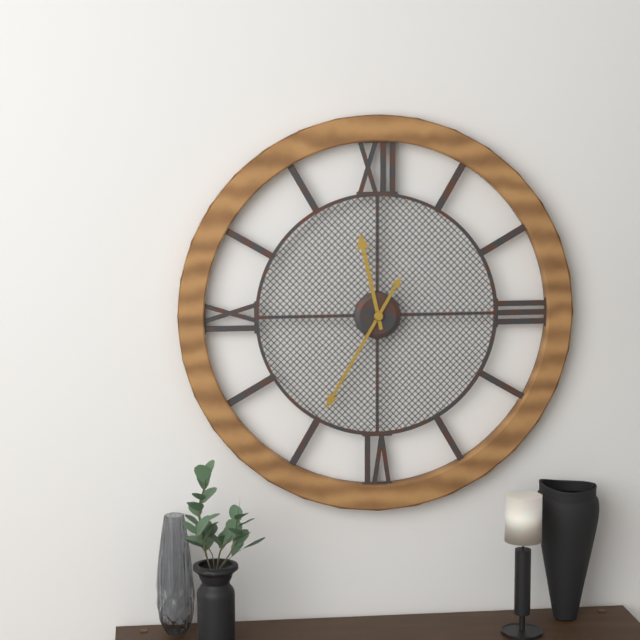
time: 11:35
